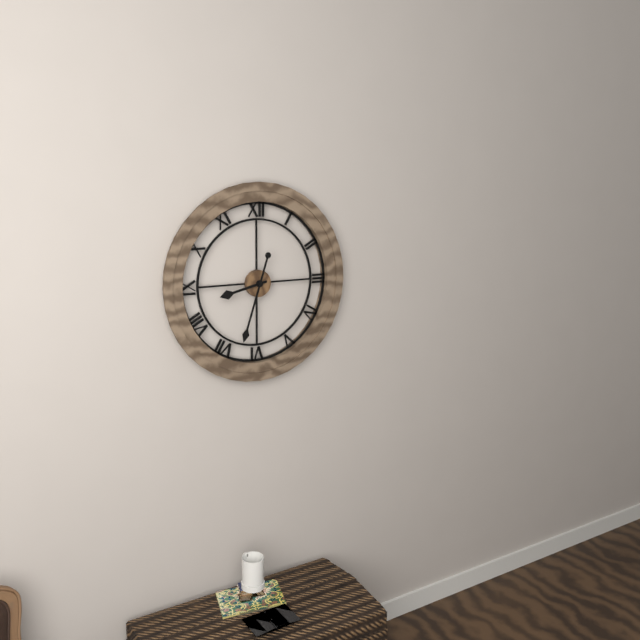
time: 8:33
